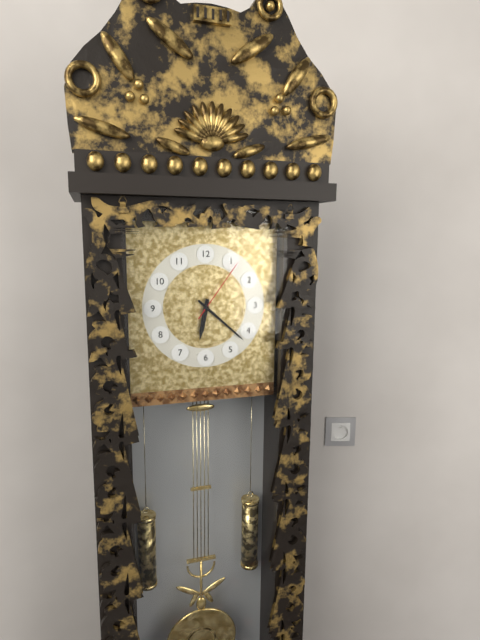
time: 6:22:06
